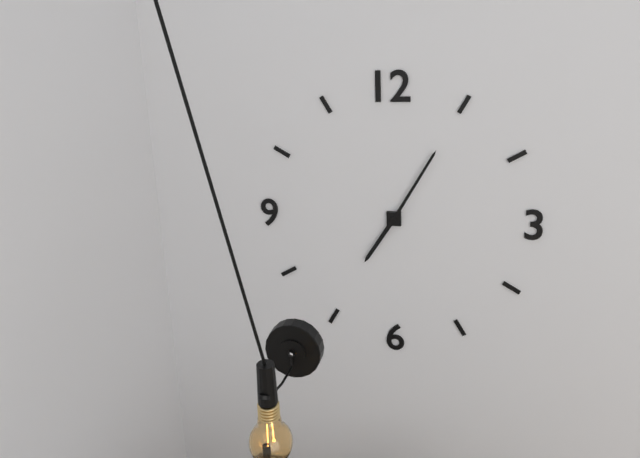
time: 7:05
